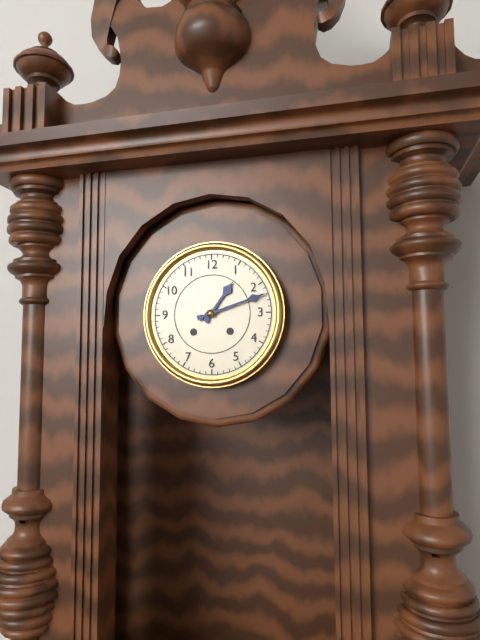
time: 1:12
